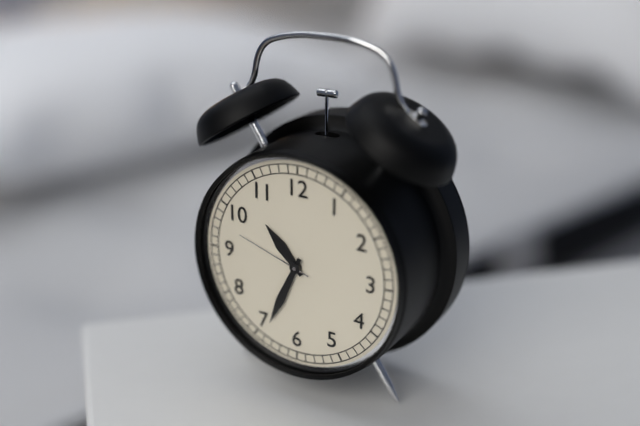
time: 10:34:48
